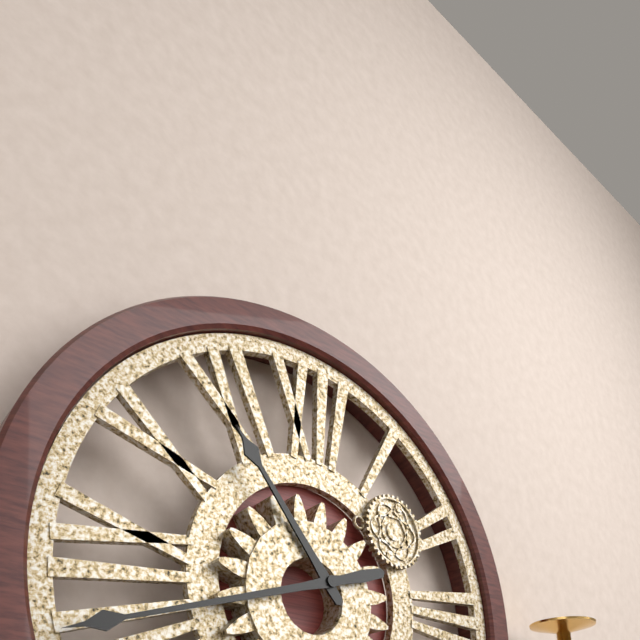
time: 10:42
